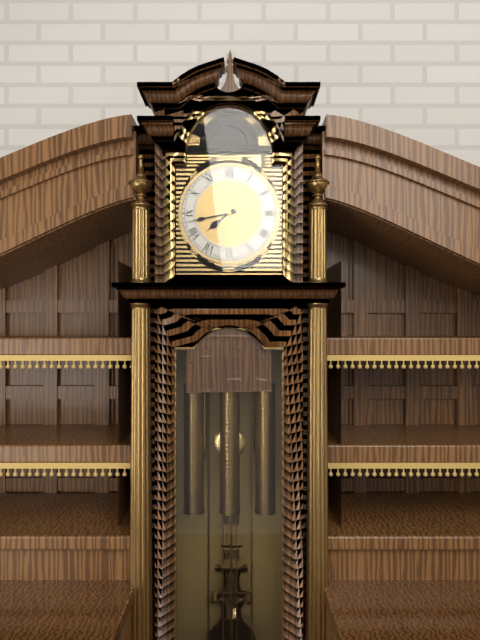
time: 7:43
